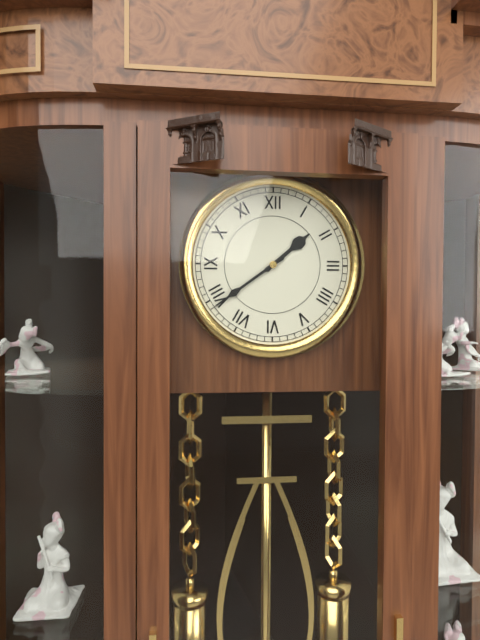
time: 1:39
